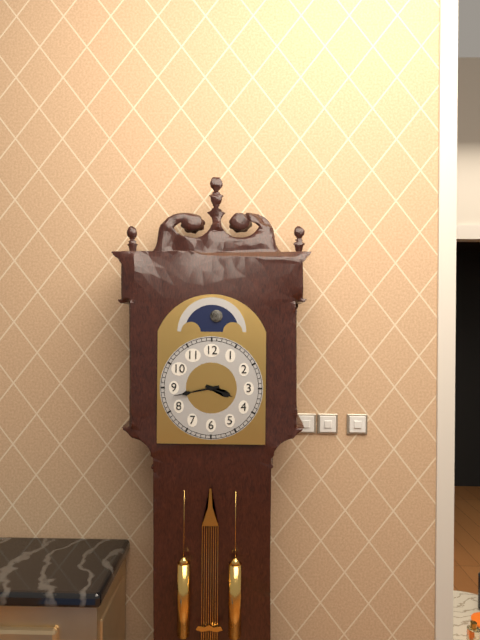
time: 3:43
